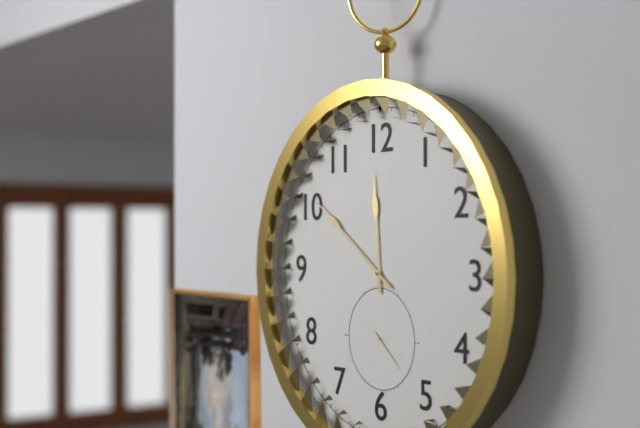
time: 11:51
